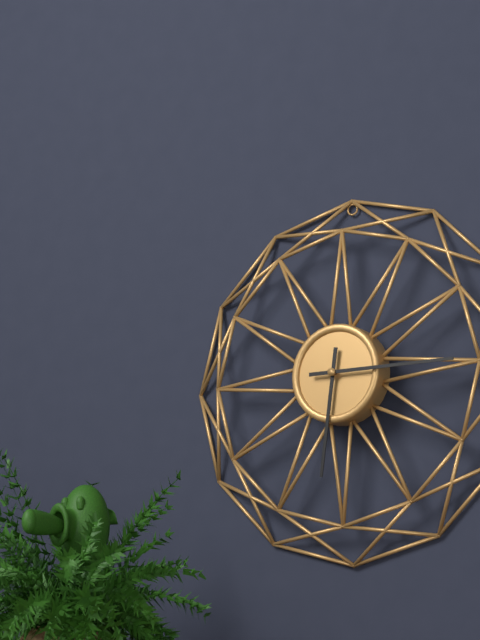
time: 6:15
